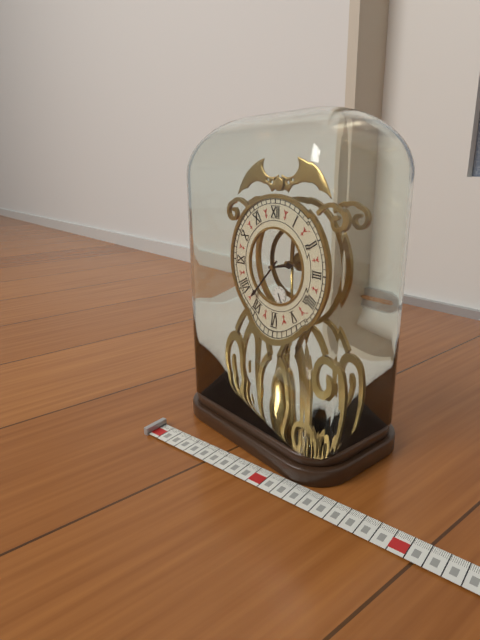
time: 2:37
